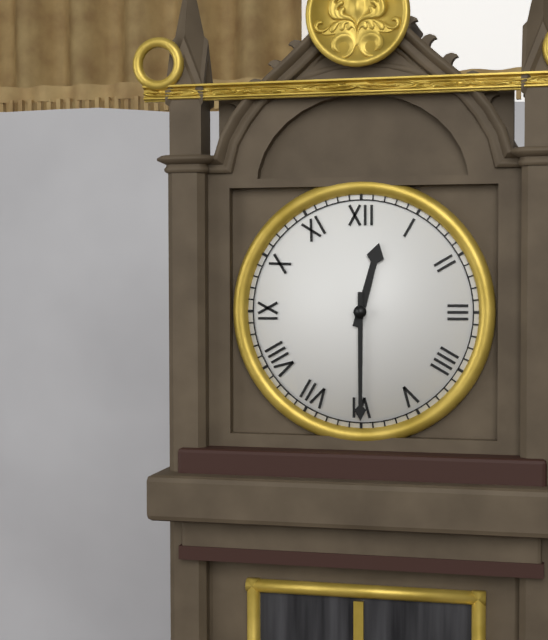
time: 12:30
